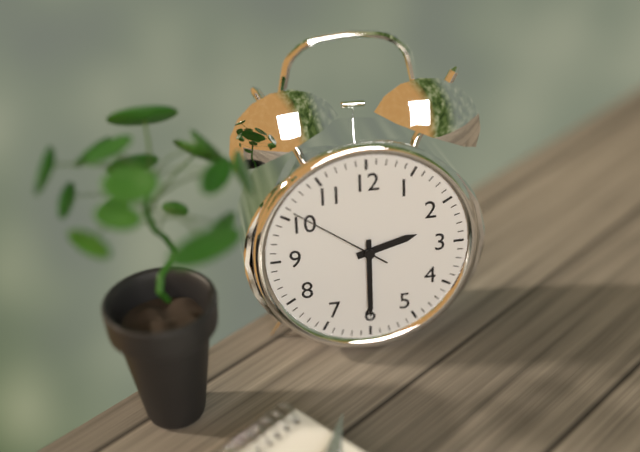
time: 2:30:51
